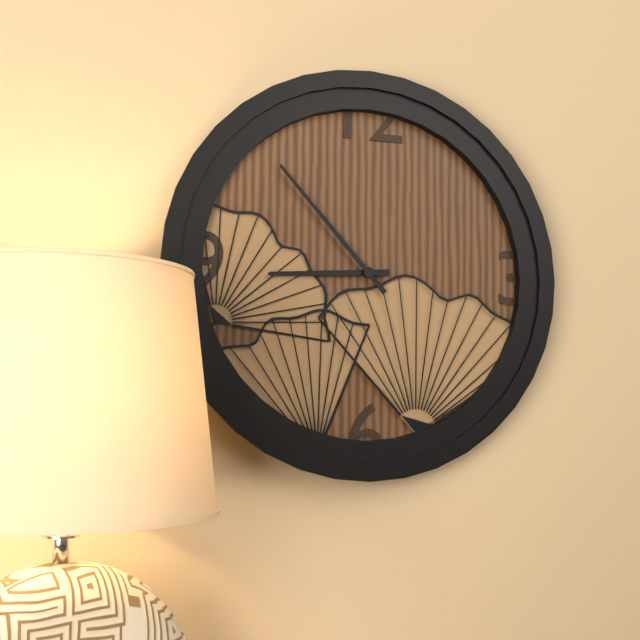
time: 8:53
